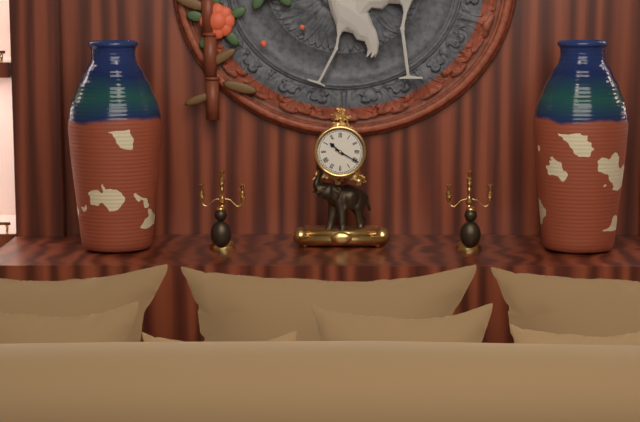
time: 10:20
